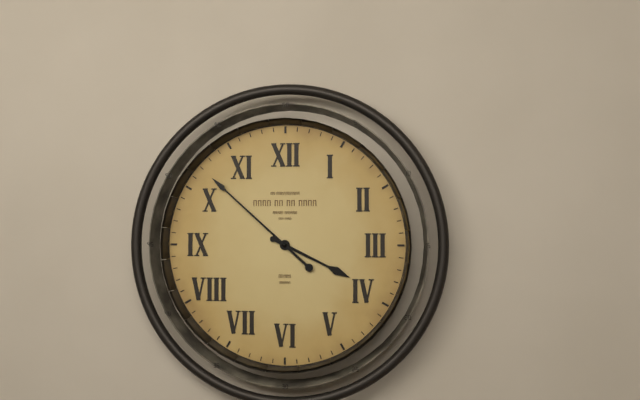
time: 3:52
